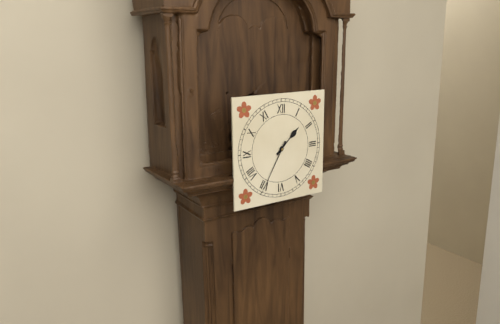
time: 1:35
